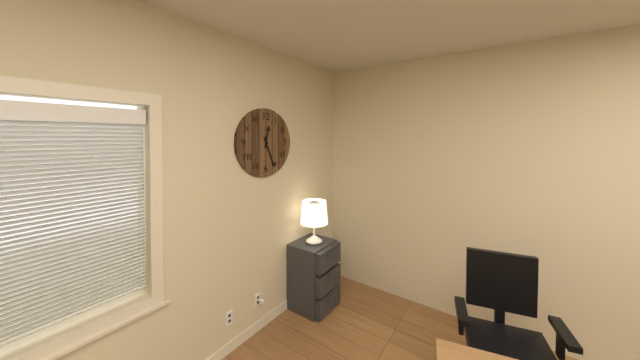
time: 12:26
